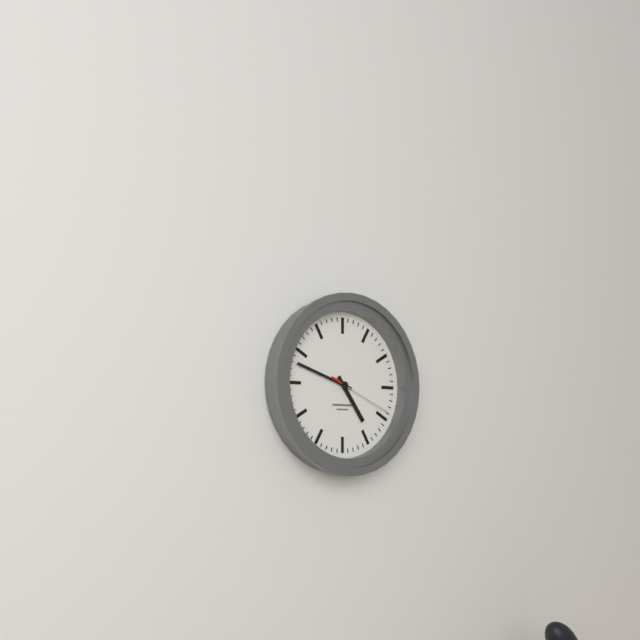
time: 4:48:19
